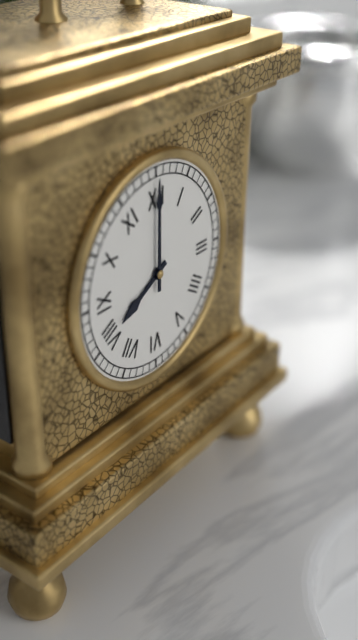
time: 8:00
